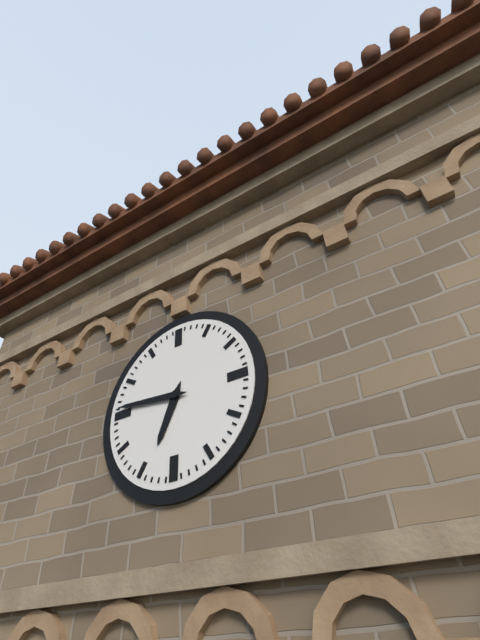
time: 6:46
